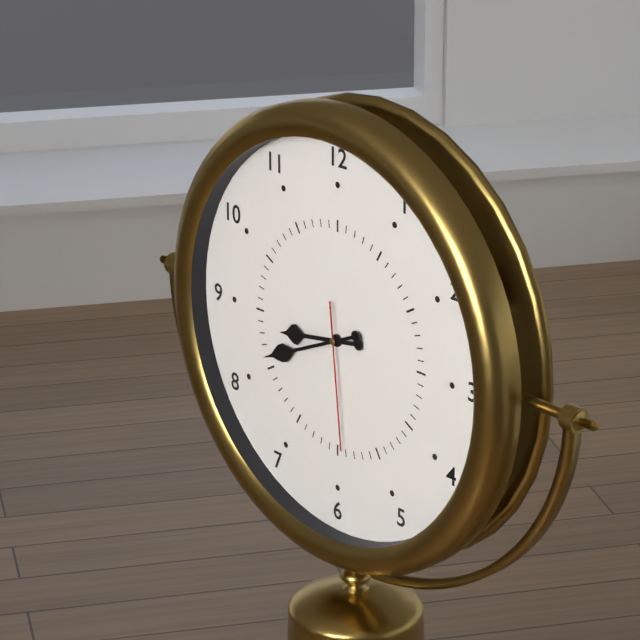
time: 8:41:29
